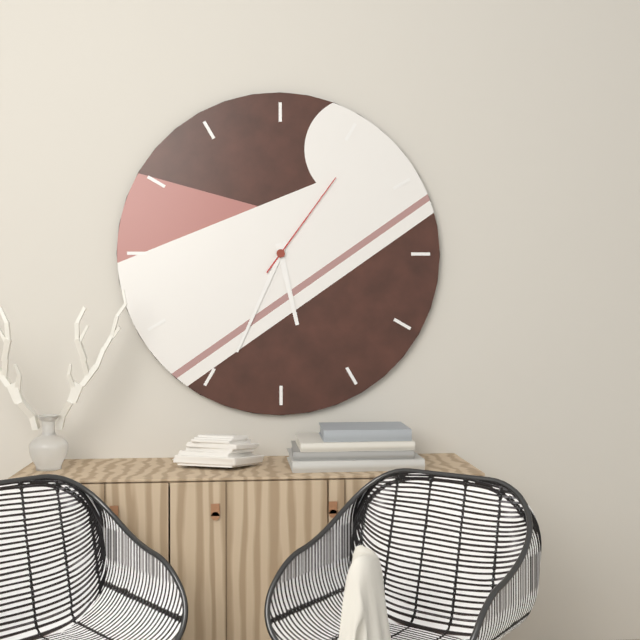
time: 5:34:06
